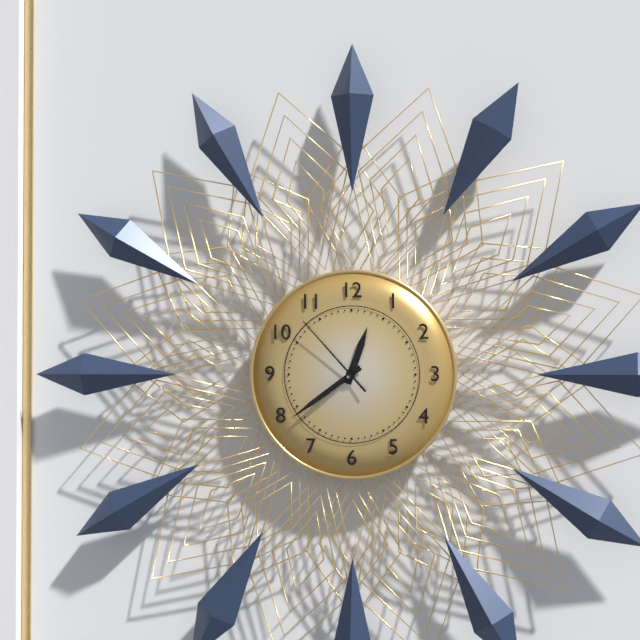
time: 12:39:53
